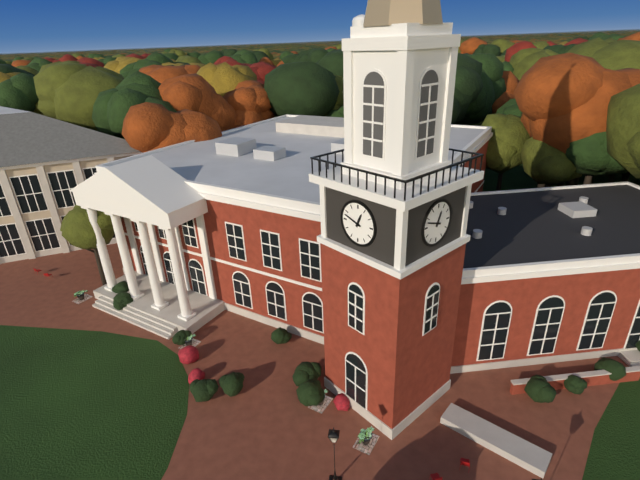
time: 12:48
